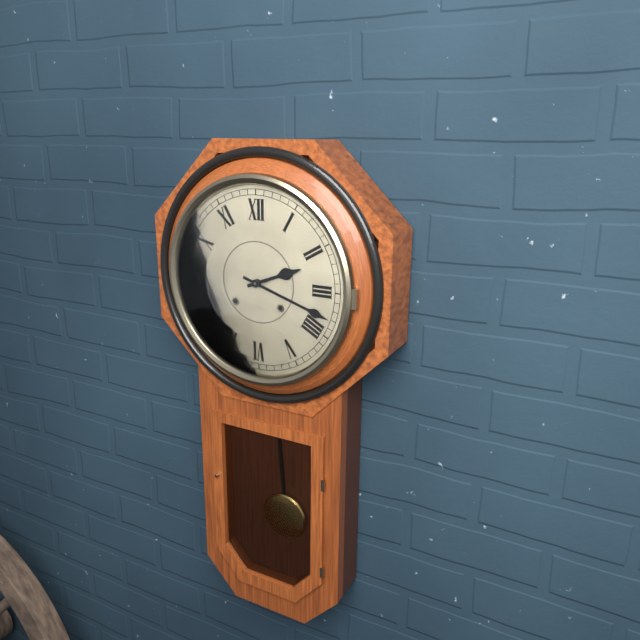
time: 2:18
